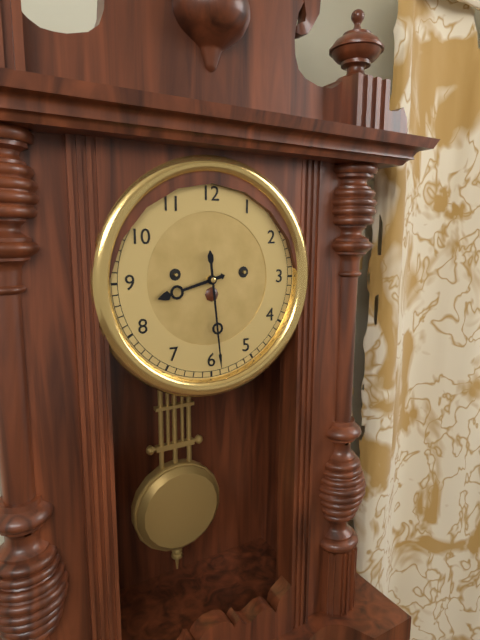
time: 8:29
